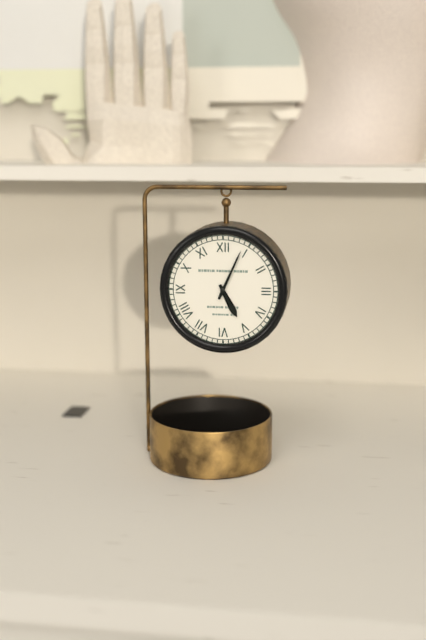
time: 5:04
